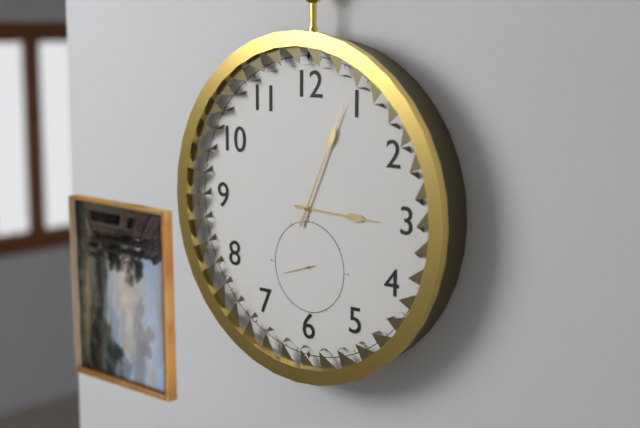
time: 3:04
